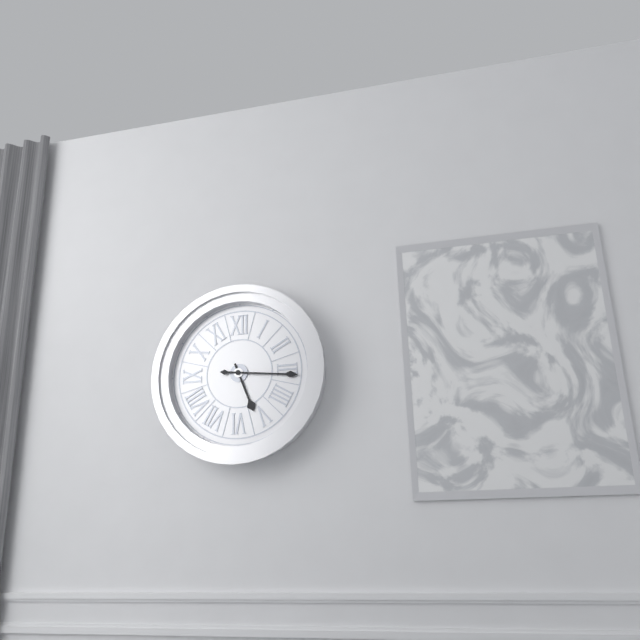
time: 5:16
